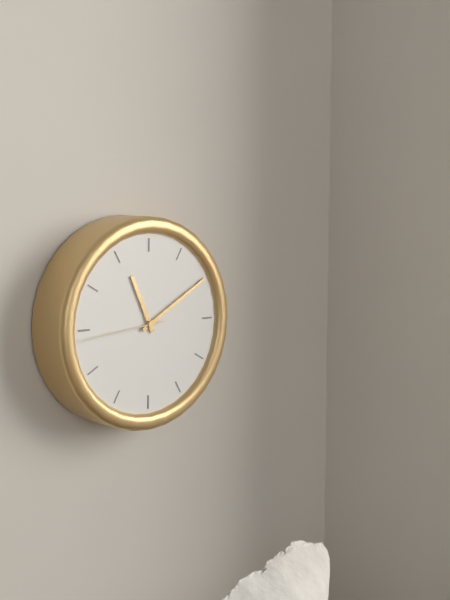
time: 11:10:44
